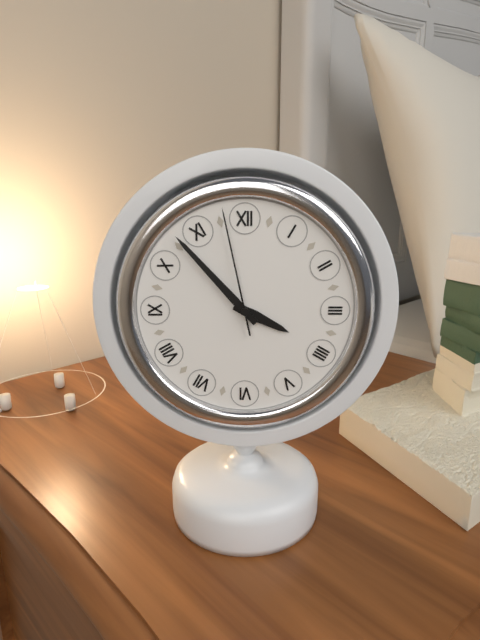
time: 3:53:58
